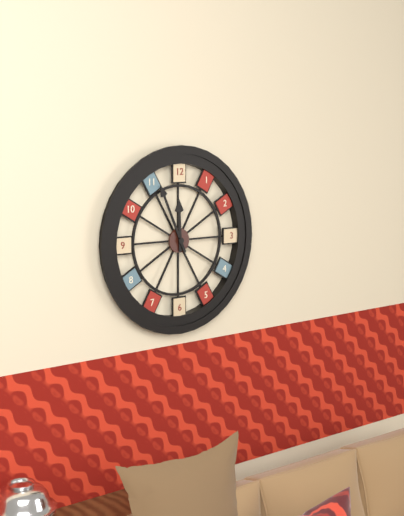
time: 11:56
